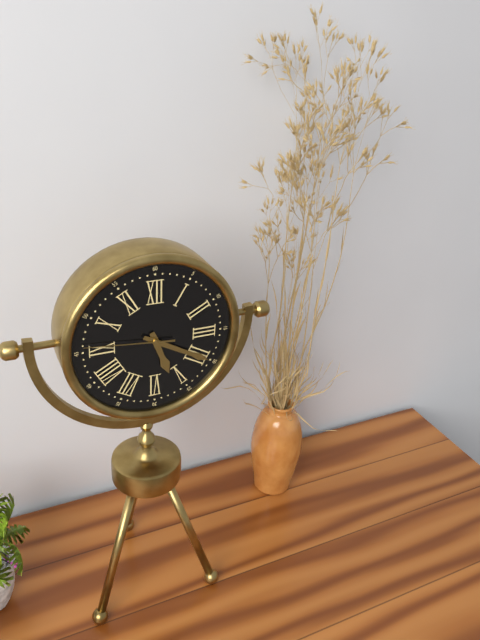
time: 5:20:46
